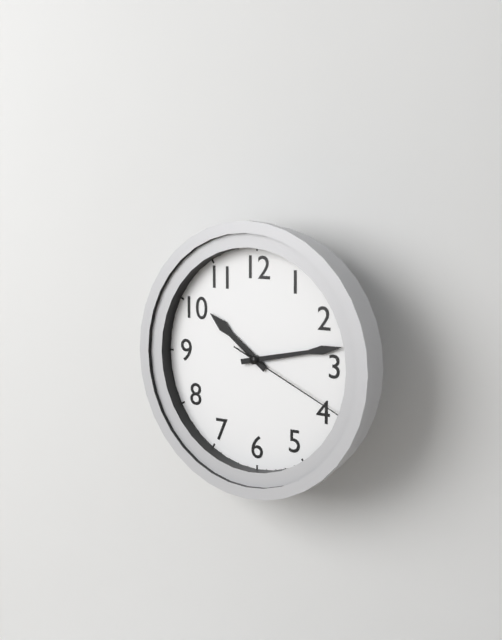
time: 10:13:19
